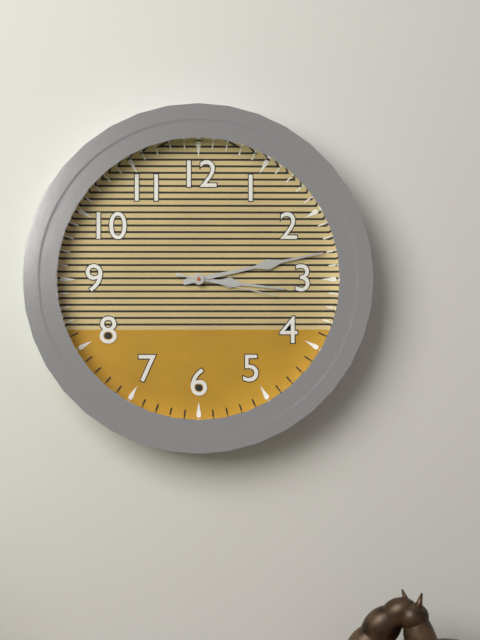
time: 3:13:17
